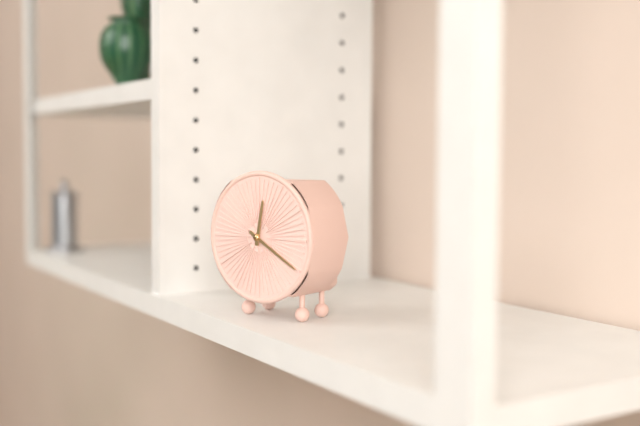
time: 12:20
